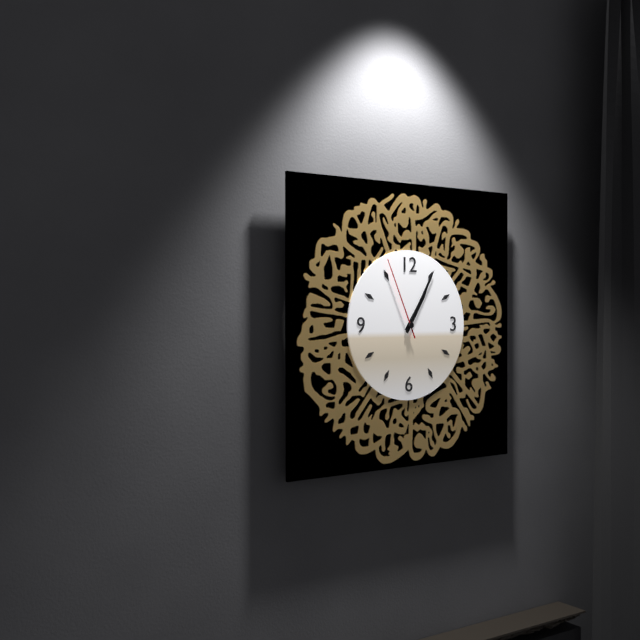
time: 1:05:56
